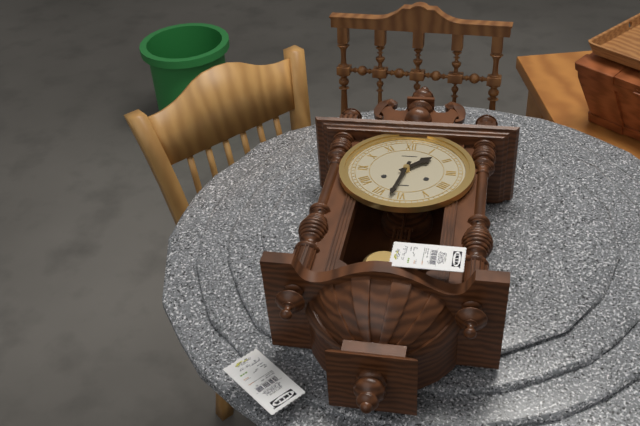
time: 1:32
